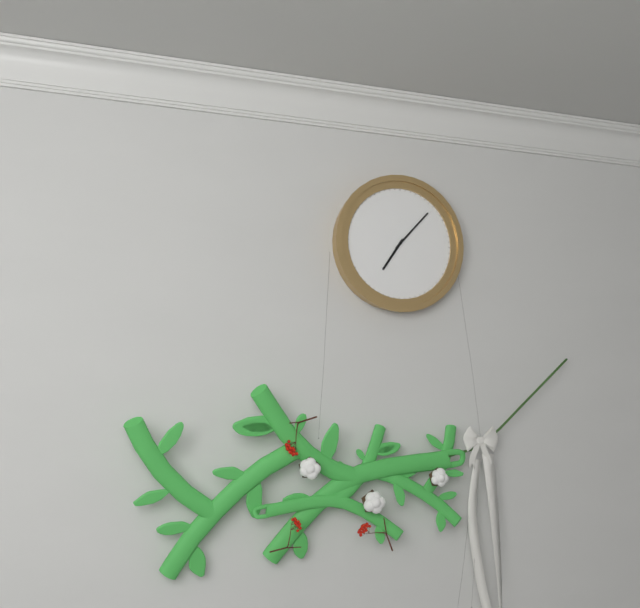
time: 7:07
